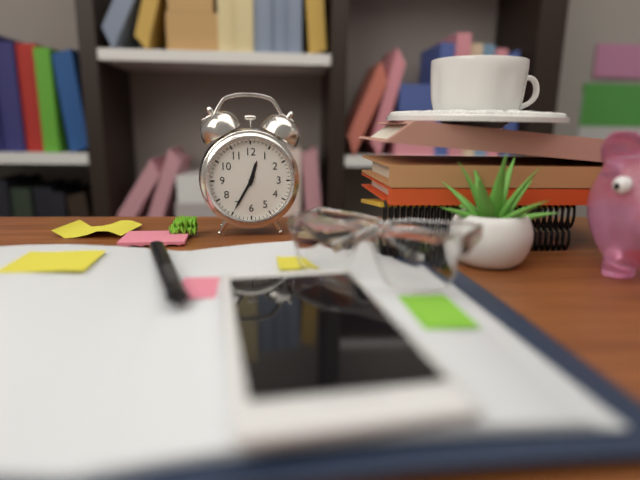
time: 12:35
